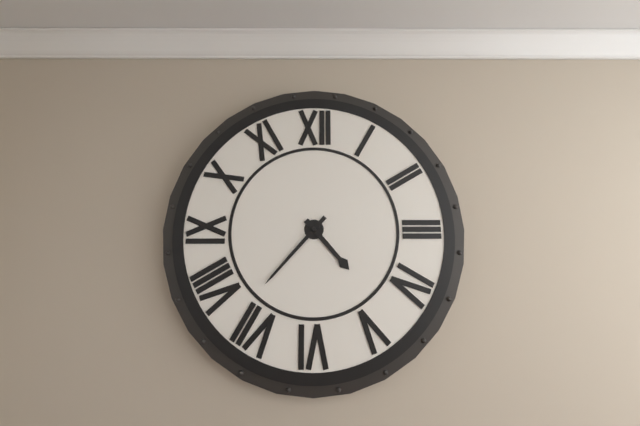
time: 4:37
